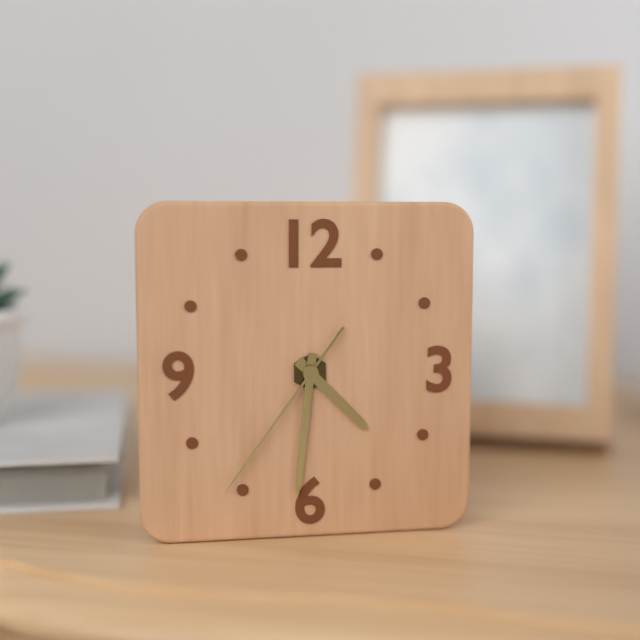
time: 4:31:36
